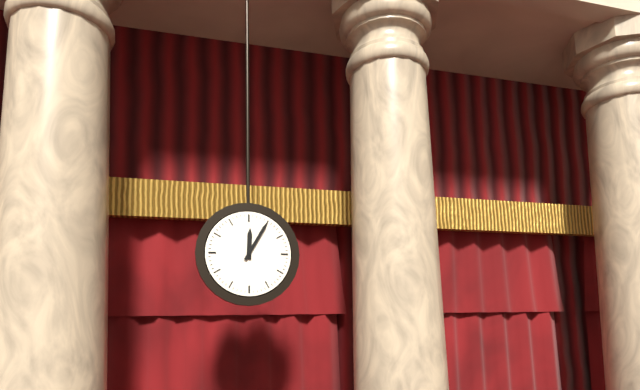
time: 12:05
